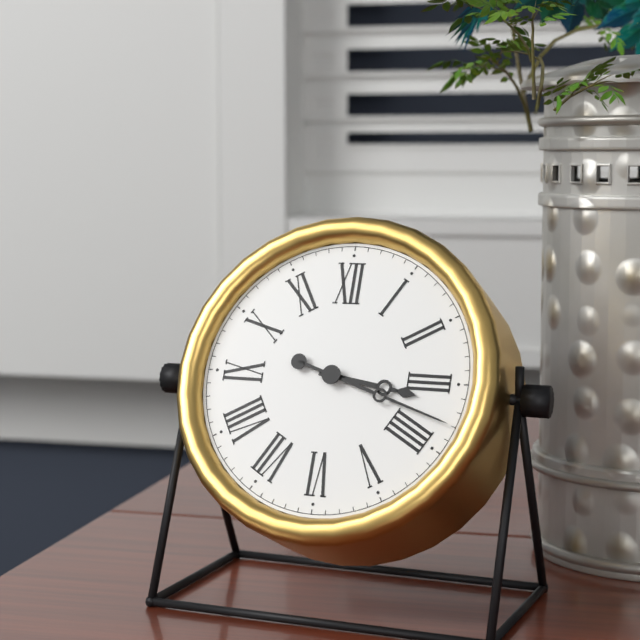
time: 3:18
